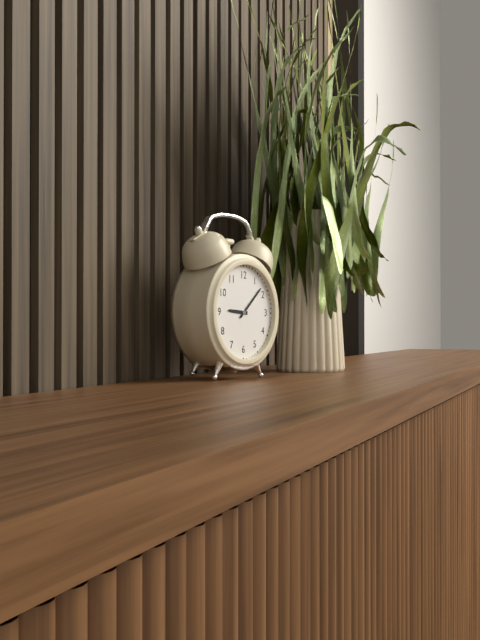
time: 9:08
